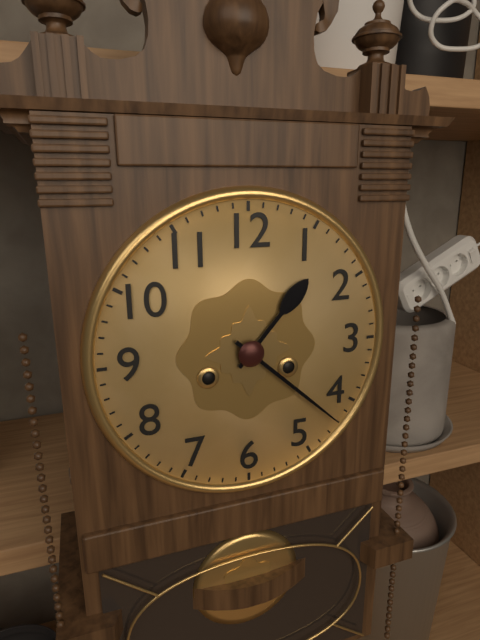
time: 1:22
